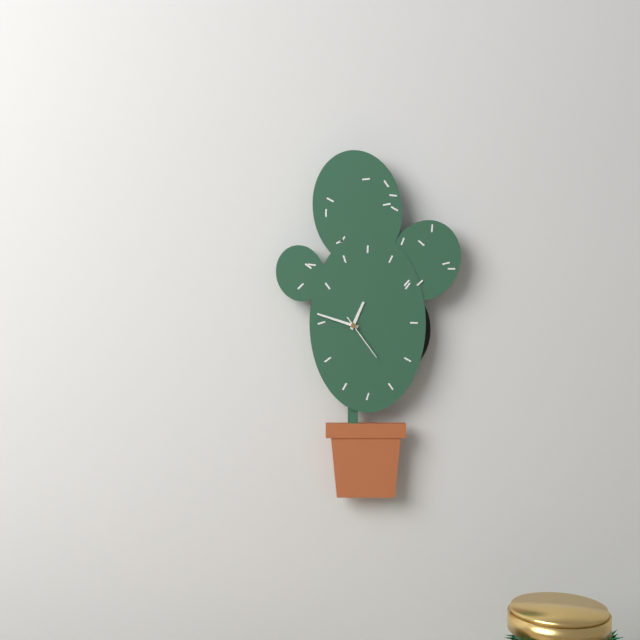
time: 12:48
